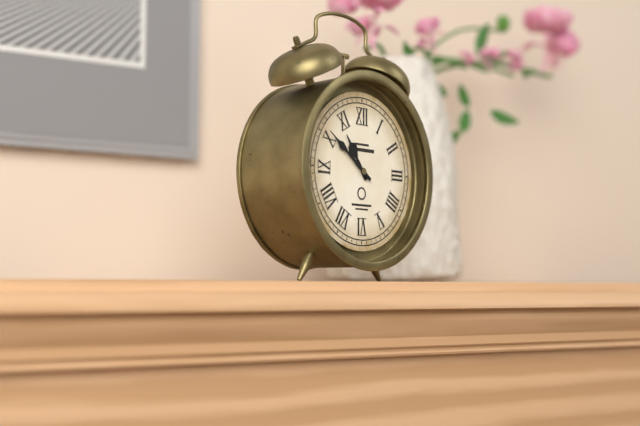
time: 10:51
